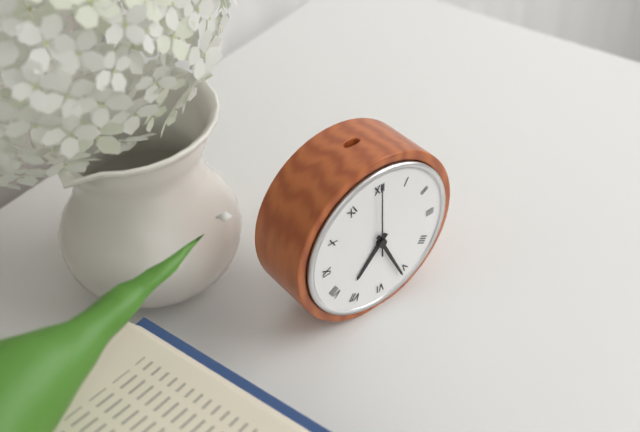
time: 7:26:00
